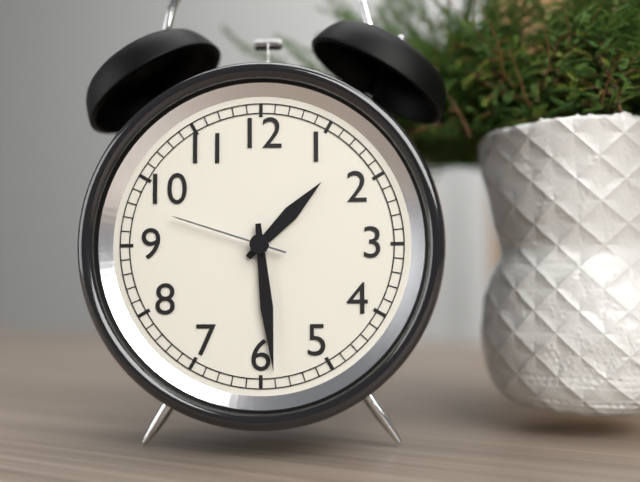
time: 1:29:48
